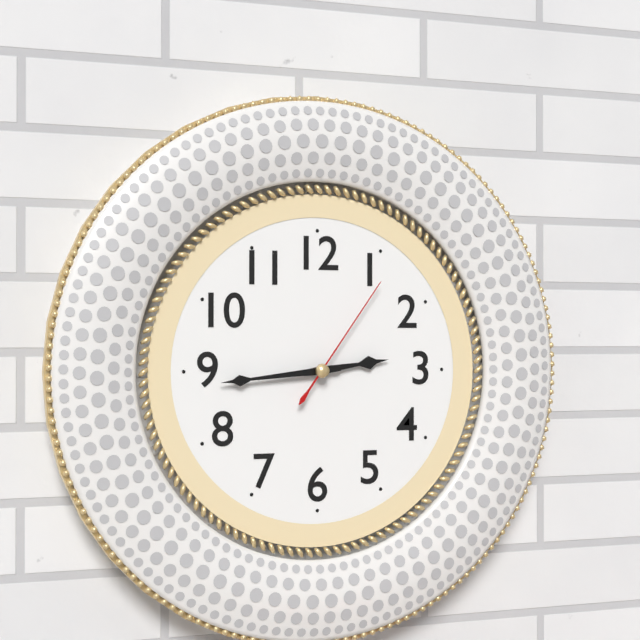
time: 2:44:06
